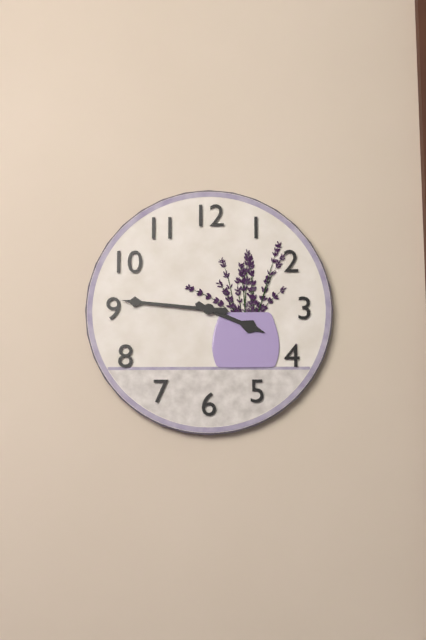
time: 3:46
